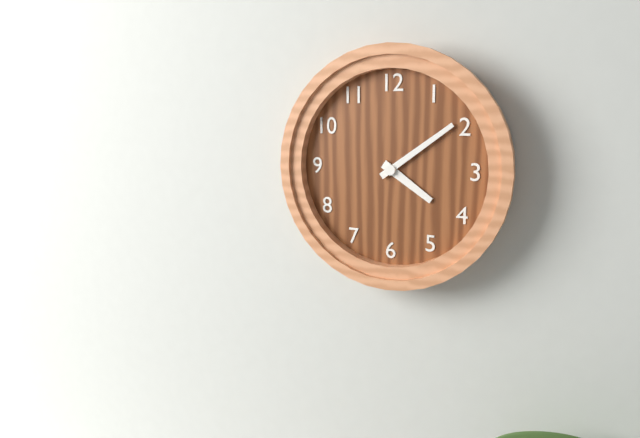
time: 4:09
